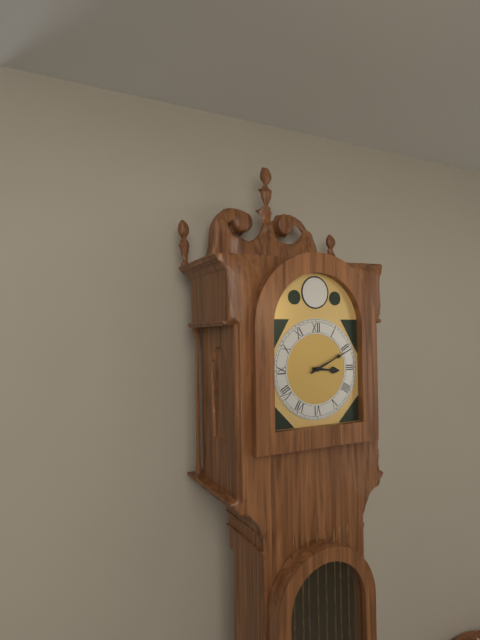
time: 3:11
